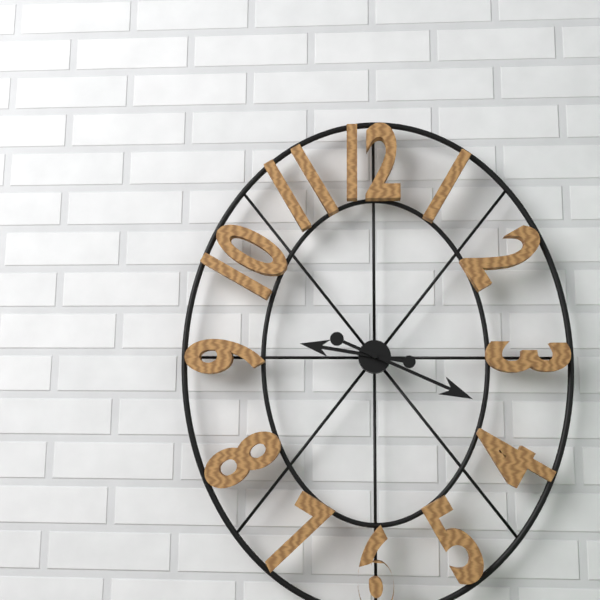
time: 9:19
